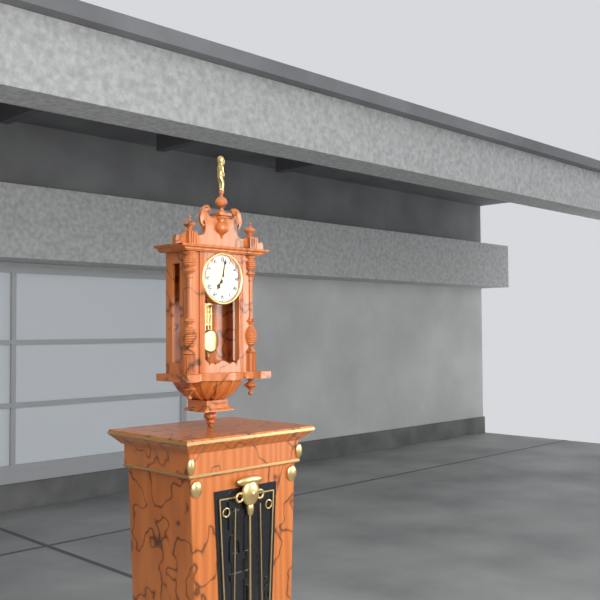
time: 7:02
